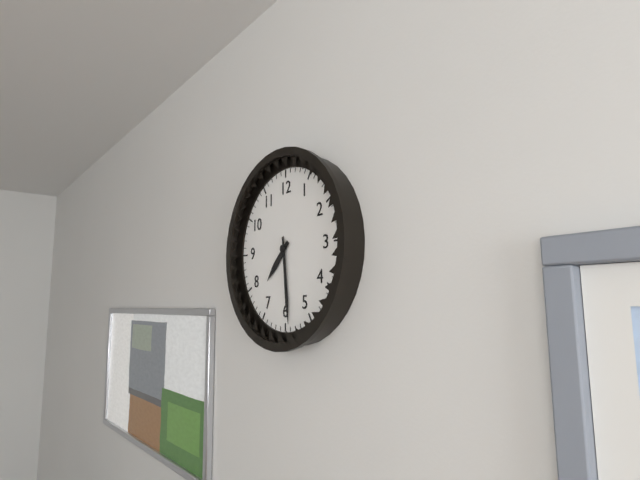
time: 7:29
